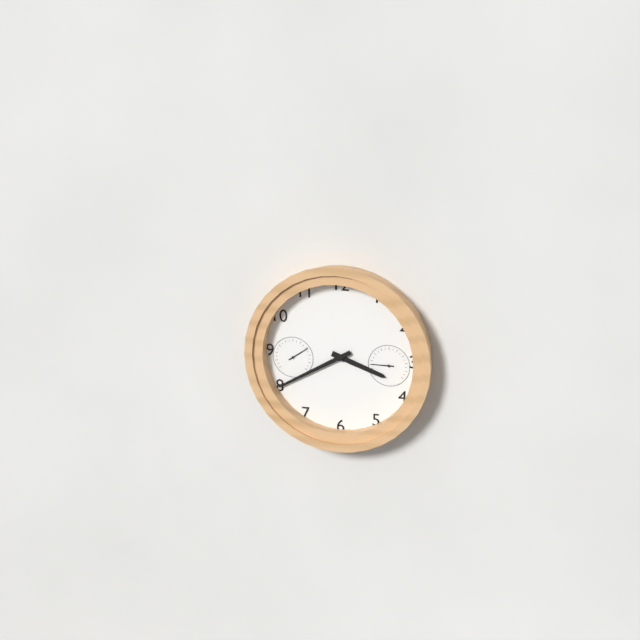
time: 3:40
